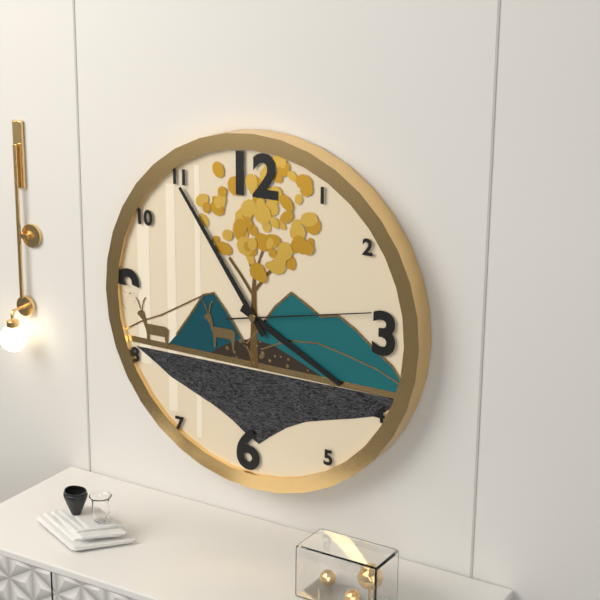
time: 3:54:13
